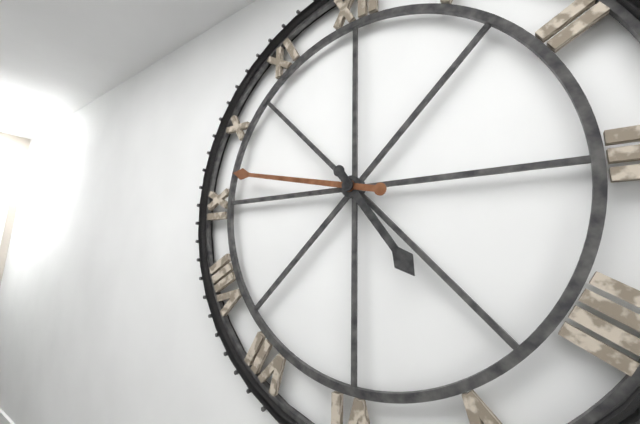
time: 4:47
